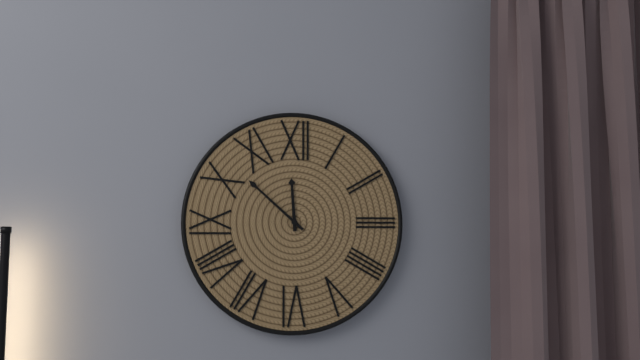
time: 11:52
